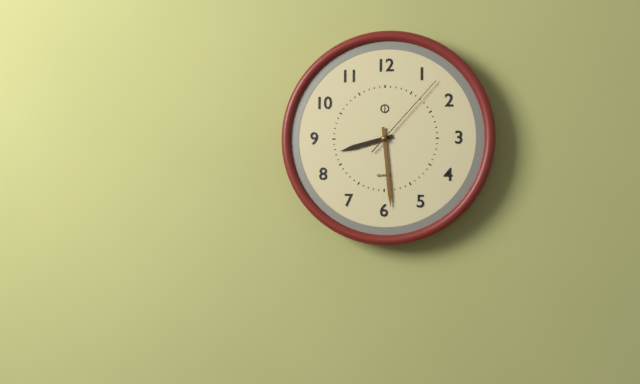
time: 8:29:07
